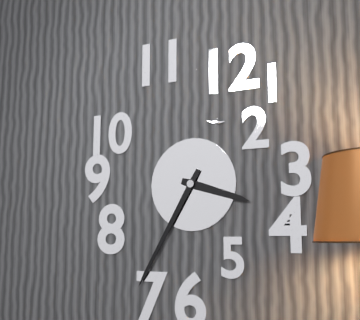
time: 3:35
